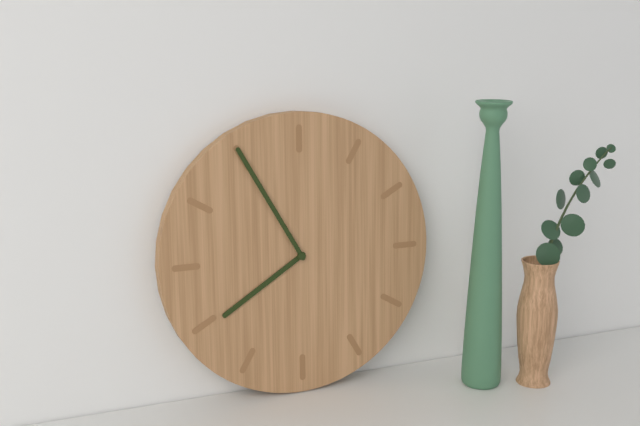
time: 7:55
